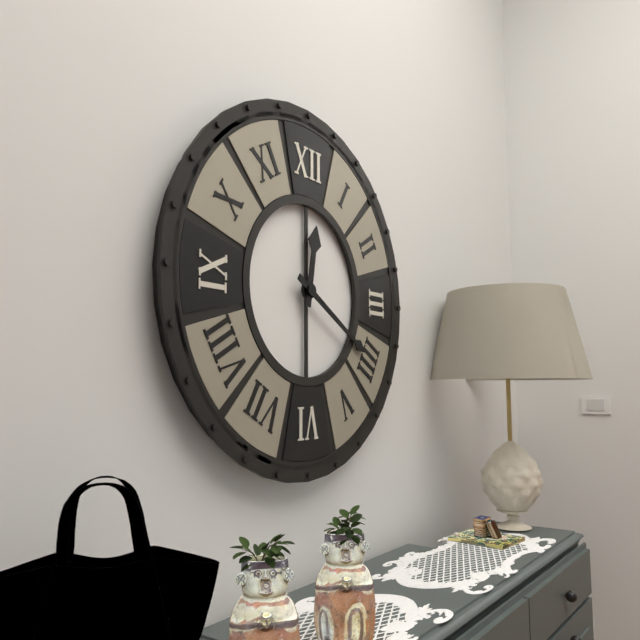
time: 12:20
